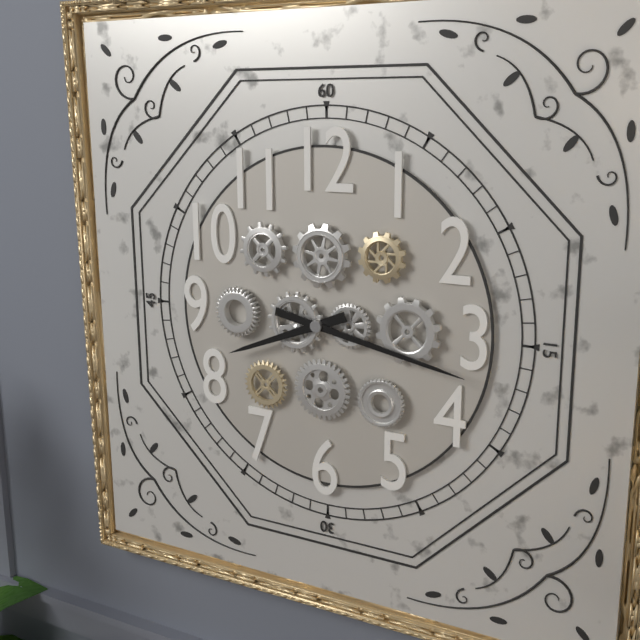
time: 8:17
